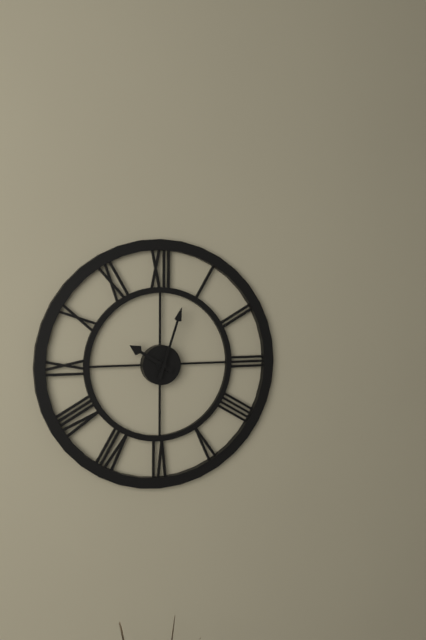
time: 10:03
